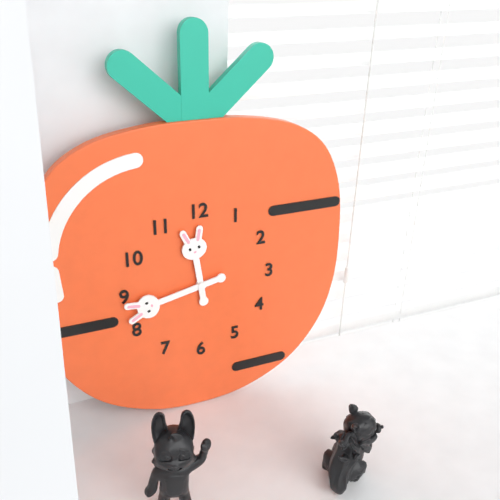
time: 11:43
